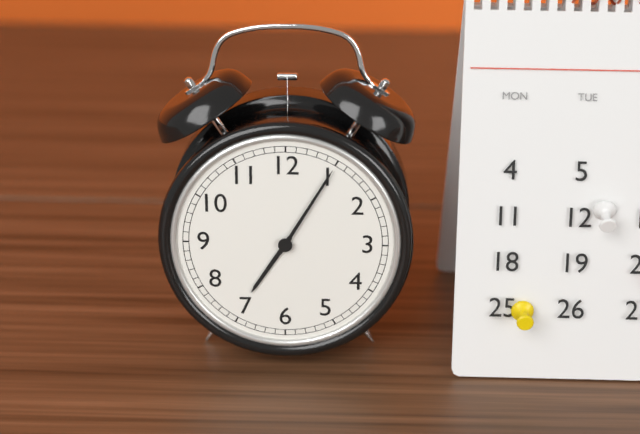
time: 7:05
